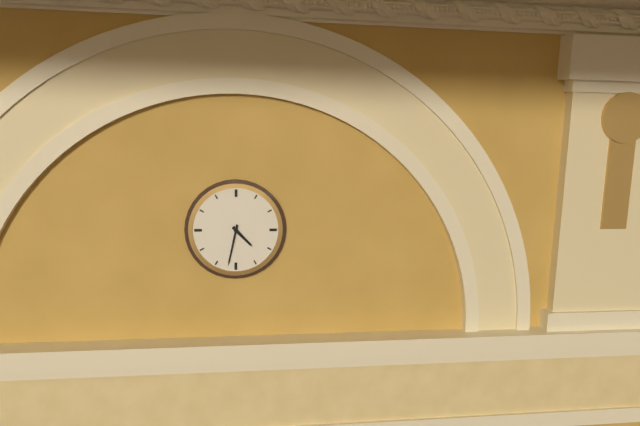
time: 4:32
